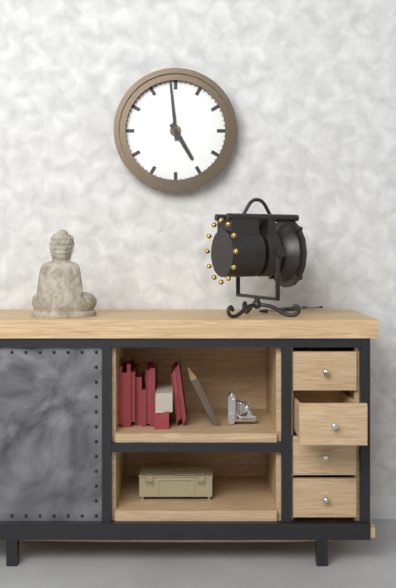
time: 4:59
